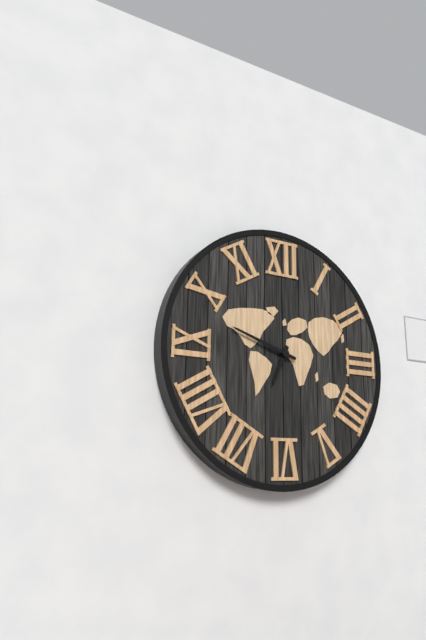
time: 6:48
